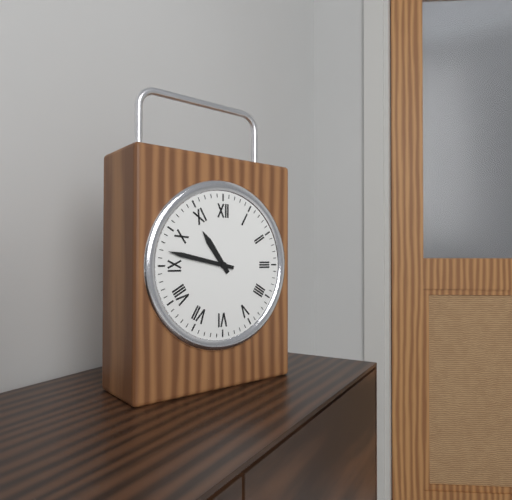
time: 10:47
